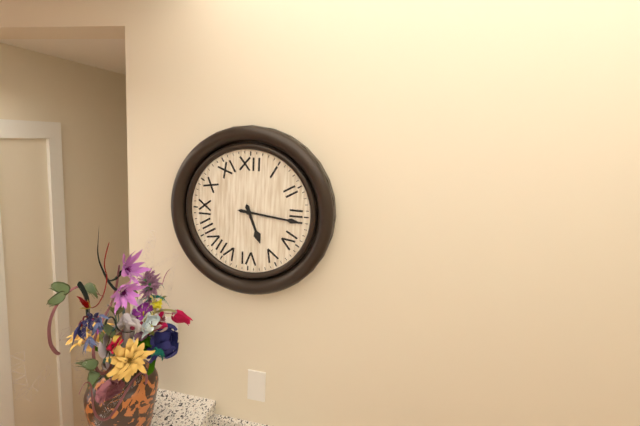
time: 5:16
